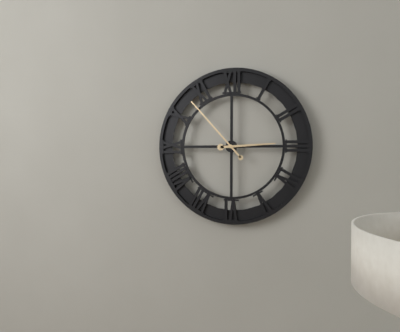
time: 2:53
